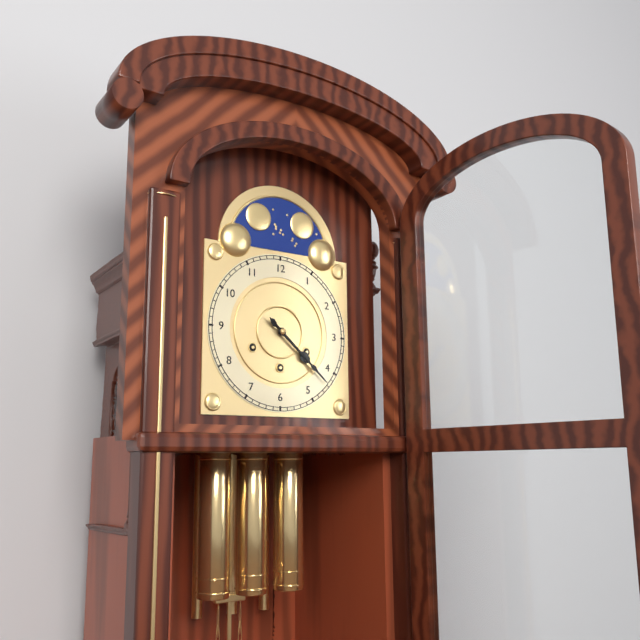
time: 4:22
